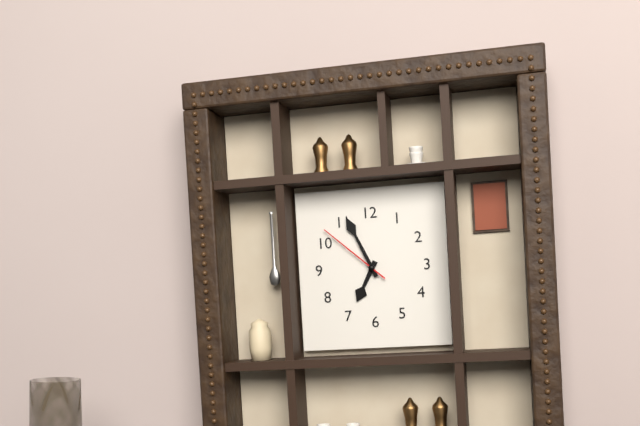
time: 6:56:52
